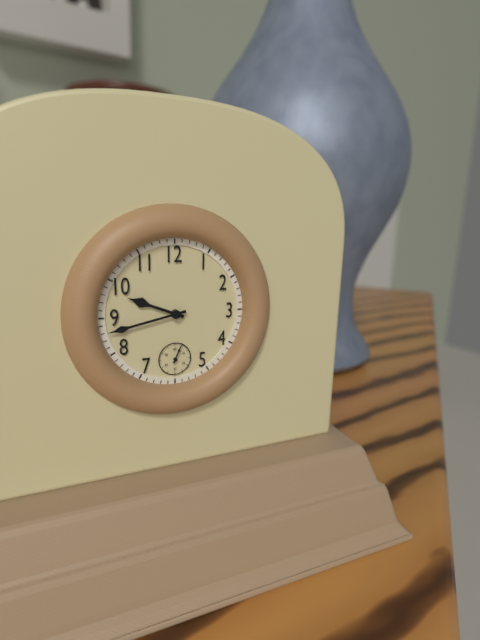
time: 9:43
